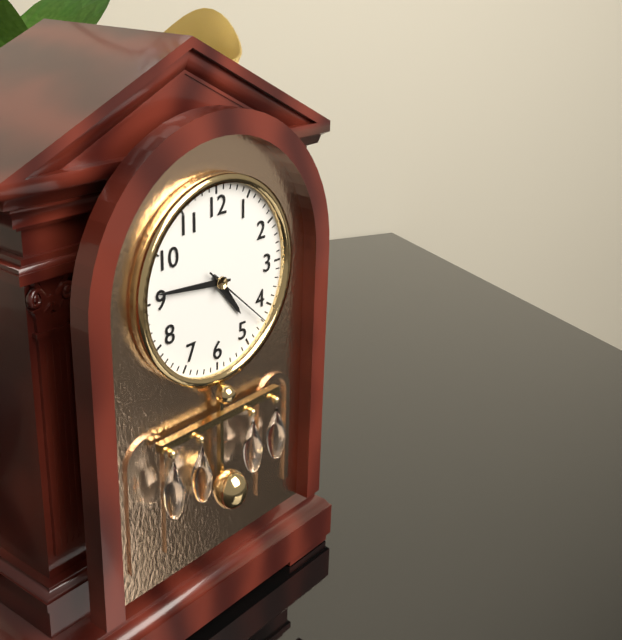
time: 4:46:22
